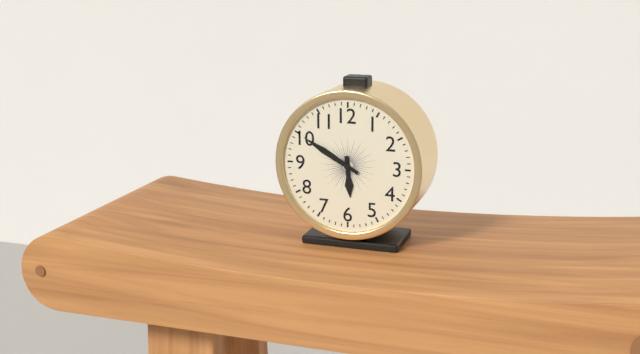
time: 5:50
